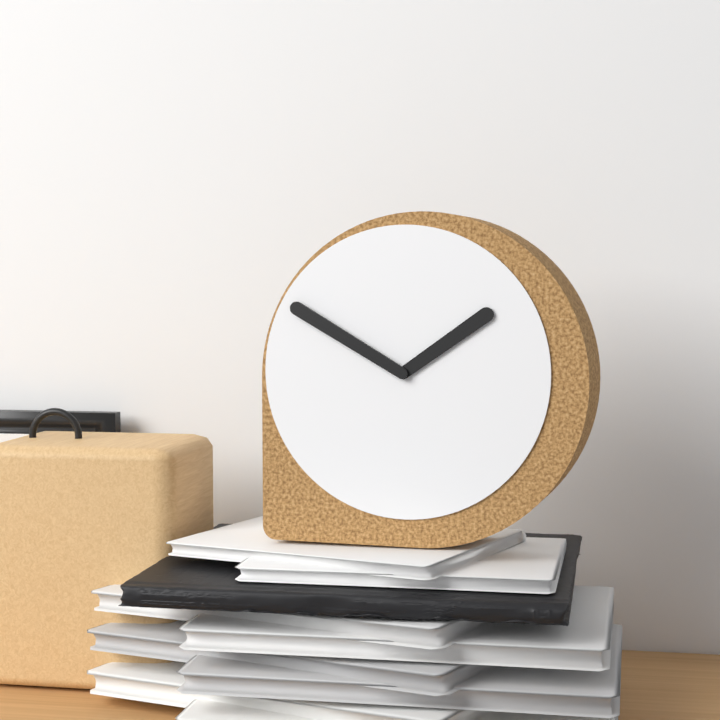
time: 1:50
